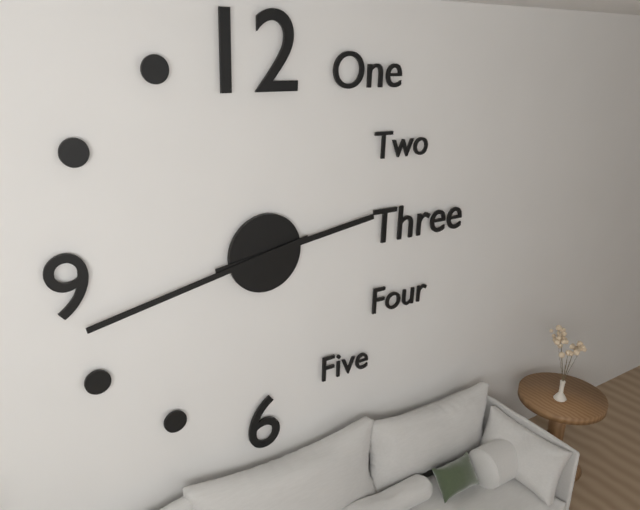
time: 2:43
